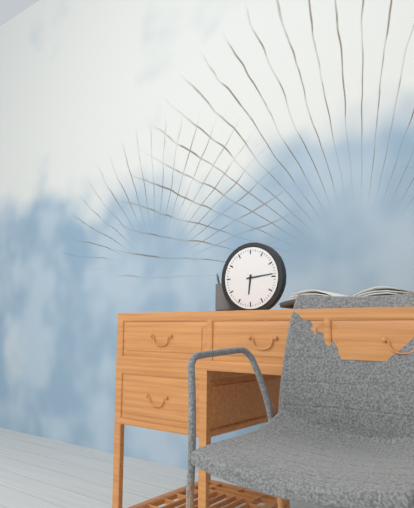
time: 6:14
